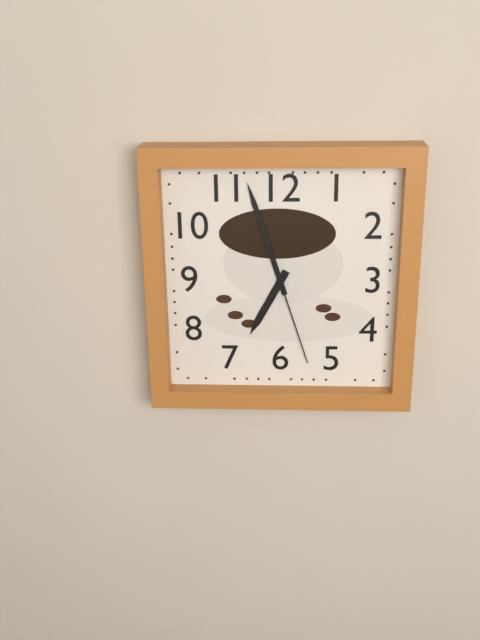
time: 6:57:27
